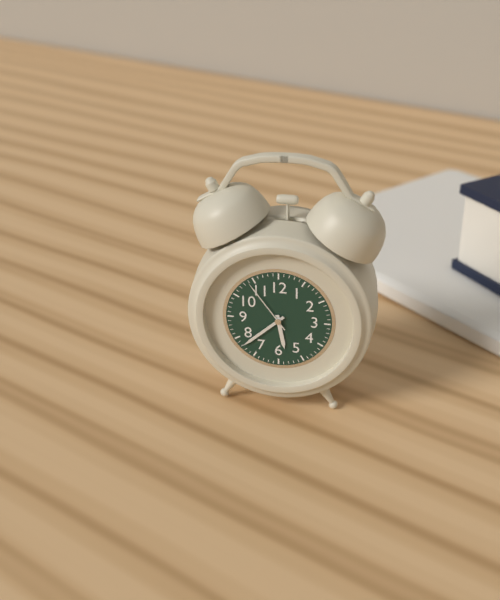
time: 5:38:54
